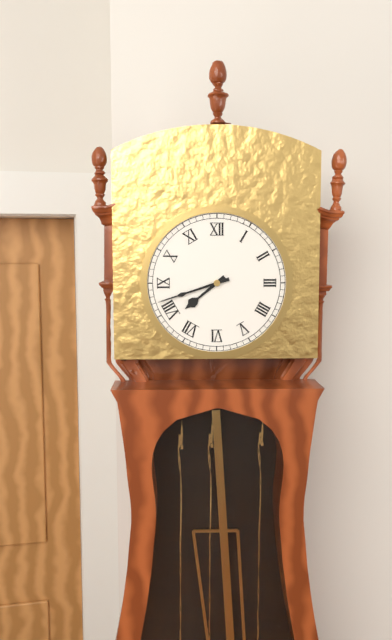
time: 7:42
